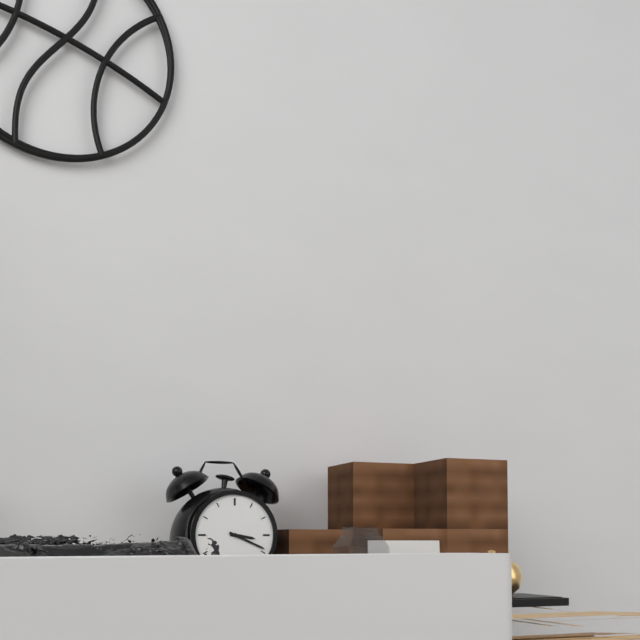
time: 3:19
